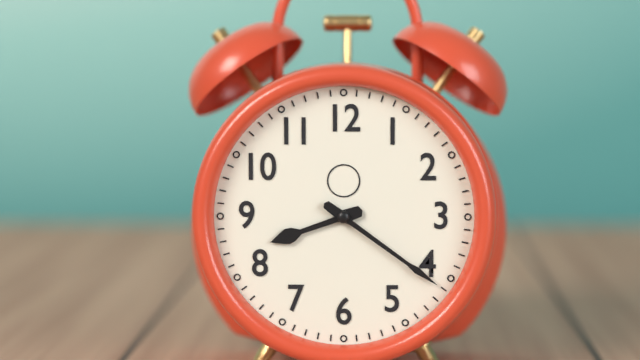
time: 8:21
